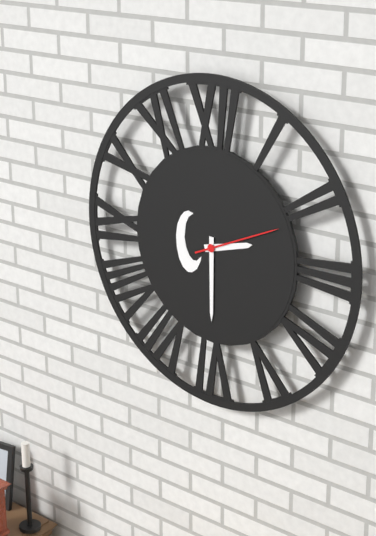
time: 2:30:11
